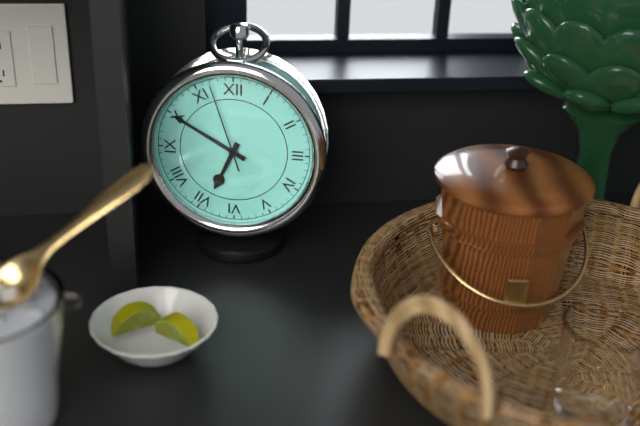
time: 6:50:57
